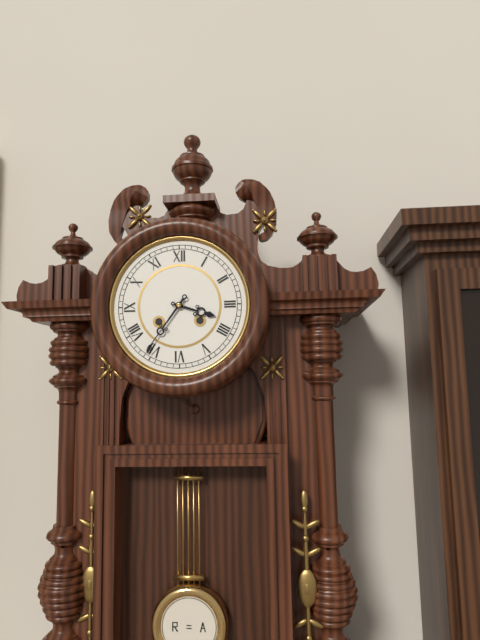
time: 3:36
